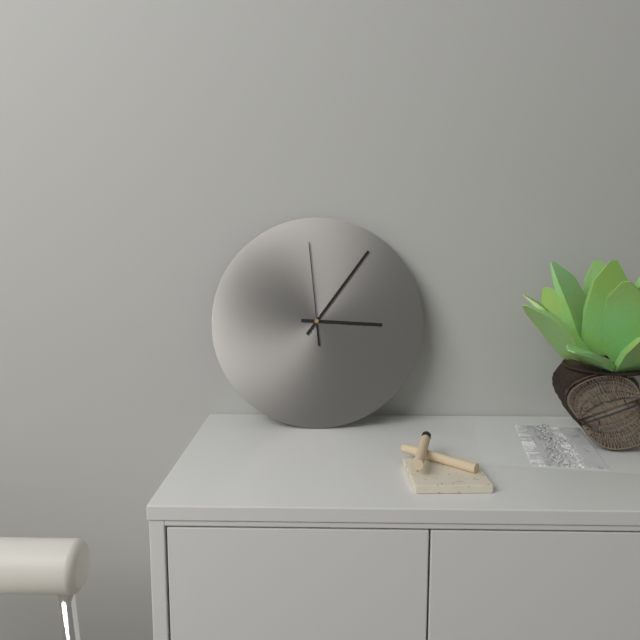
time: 3:06:59
